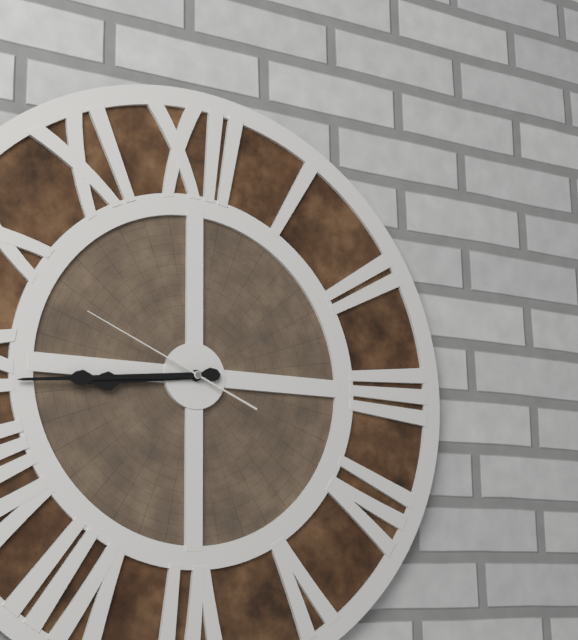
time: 8:44:49
